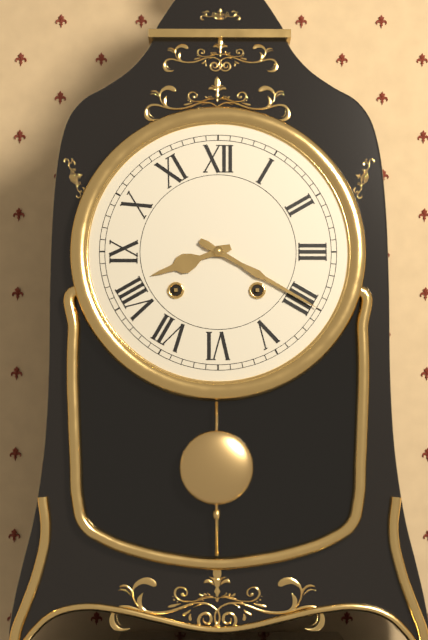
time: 8:20
